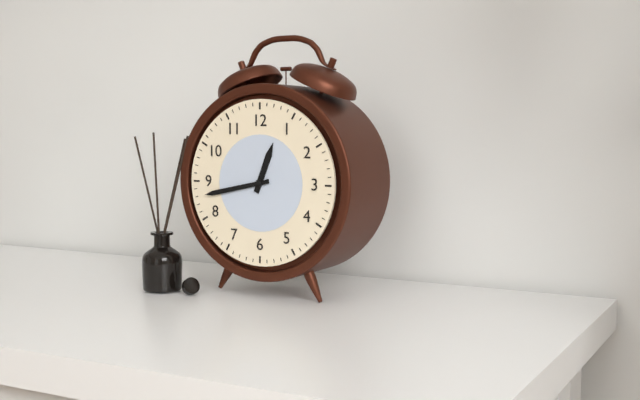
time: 12:43
